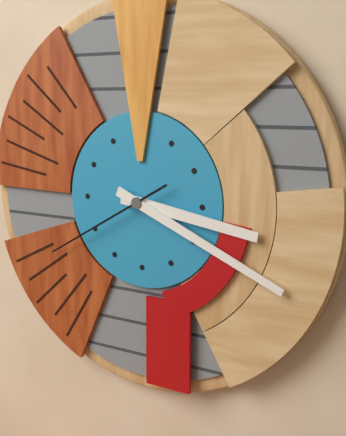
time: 3:19:40
